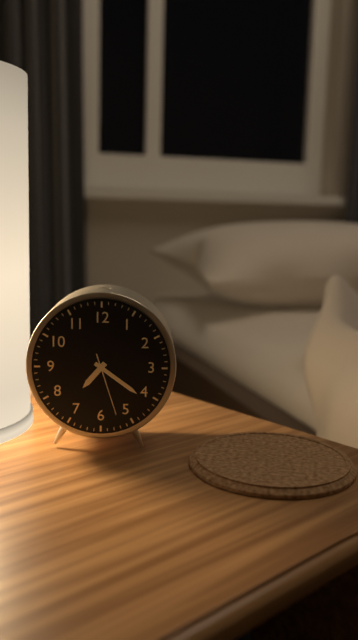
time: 7:21:27
